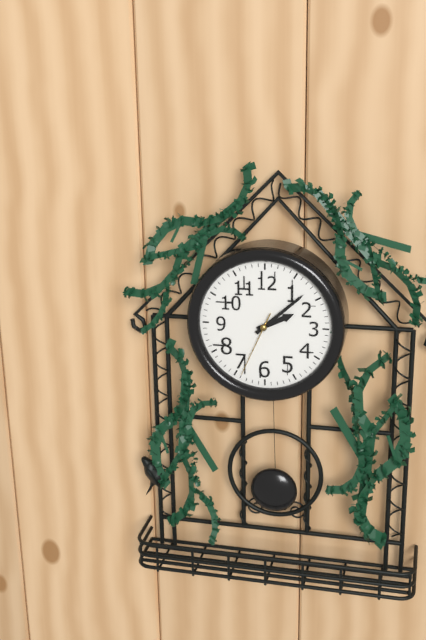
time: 2:08:34
